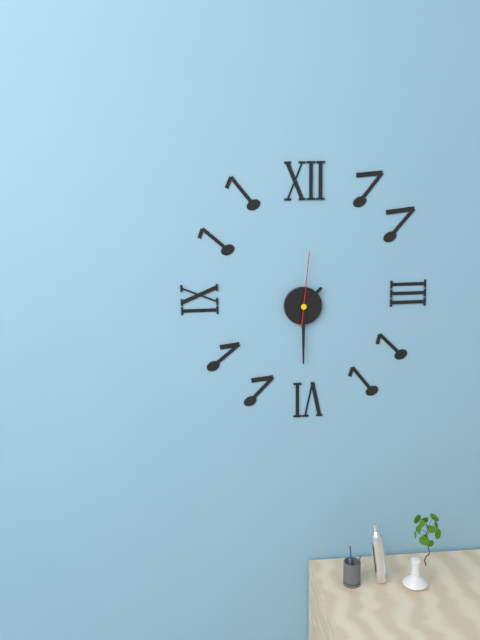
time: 1:30:01
